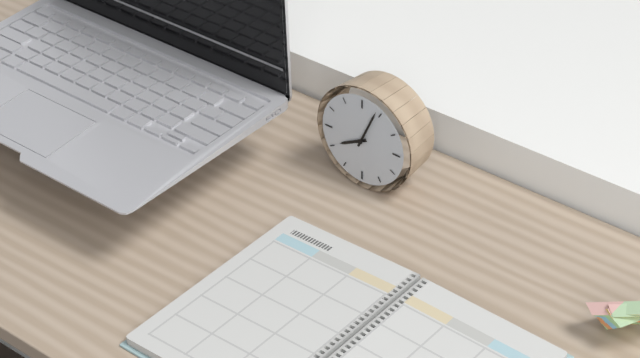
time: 8:04
